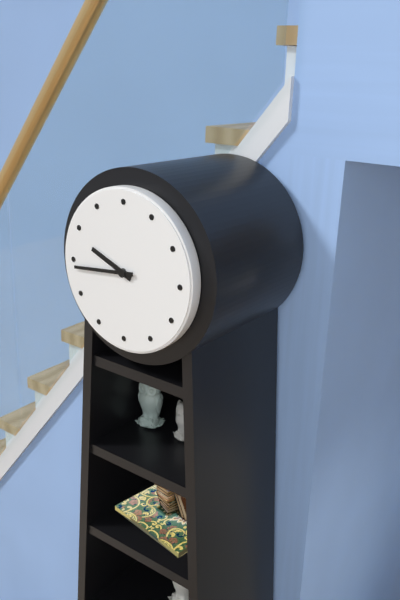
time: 9:44
